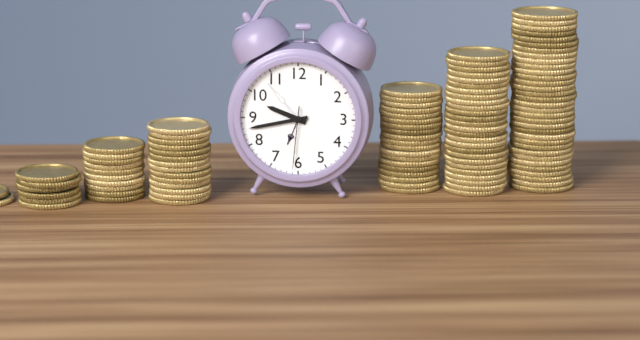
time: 9:43:31
